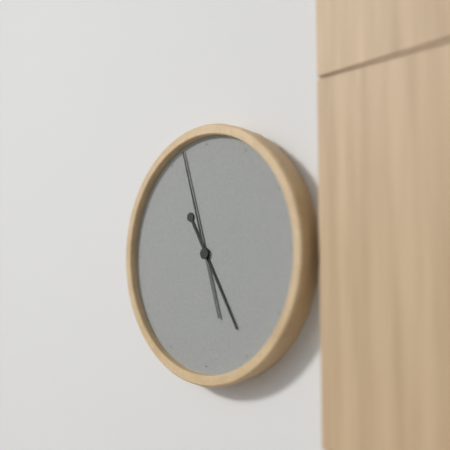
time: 4:57
